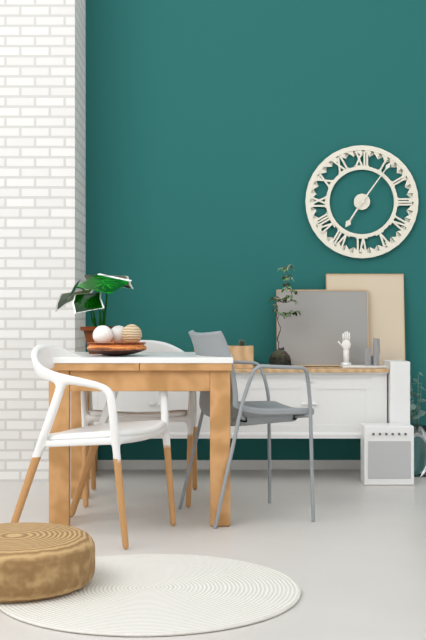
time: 7:06
